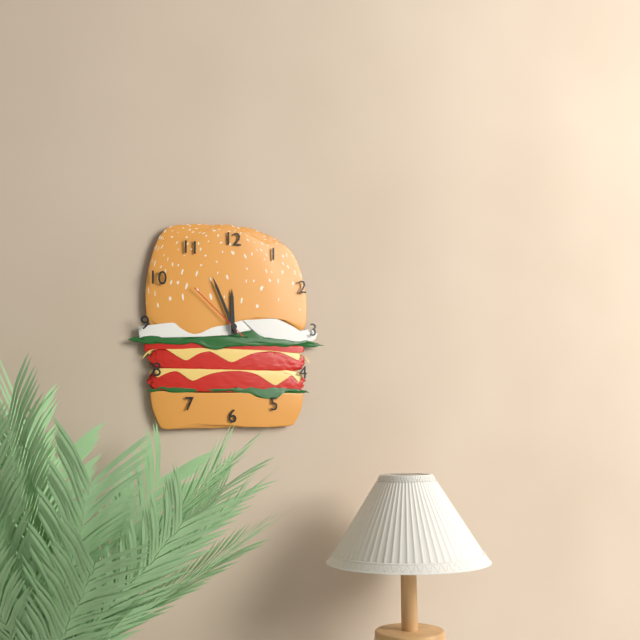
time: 11:56:52
